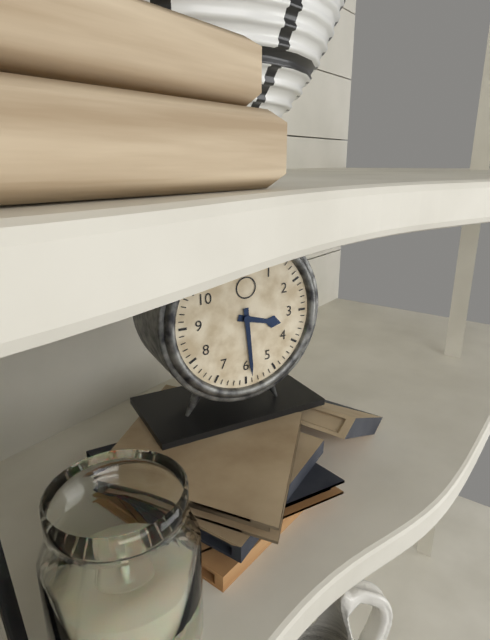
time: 3:29
